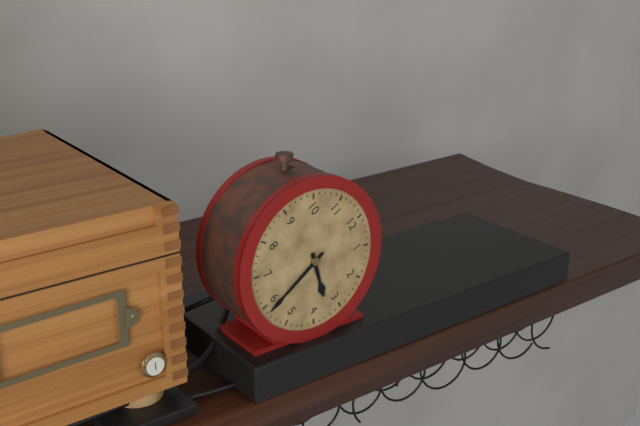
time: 3:29
